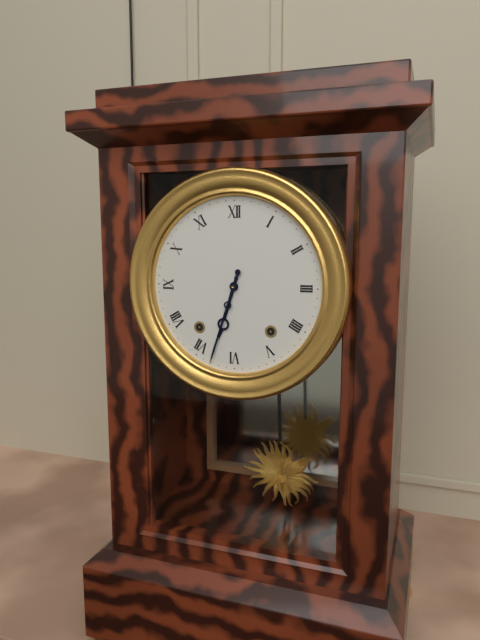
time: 6:33
